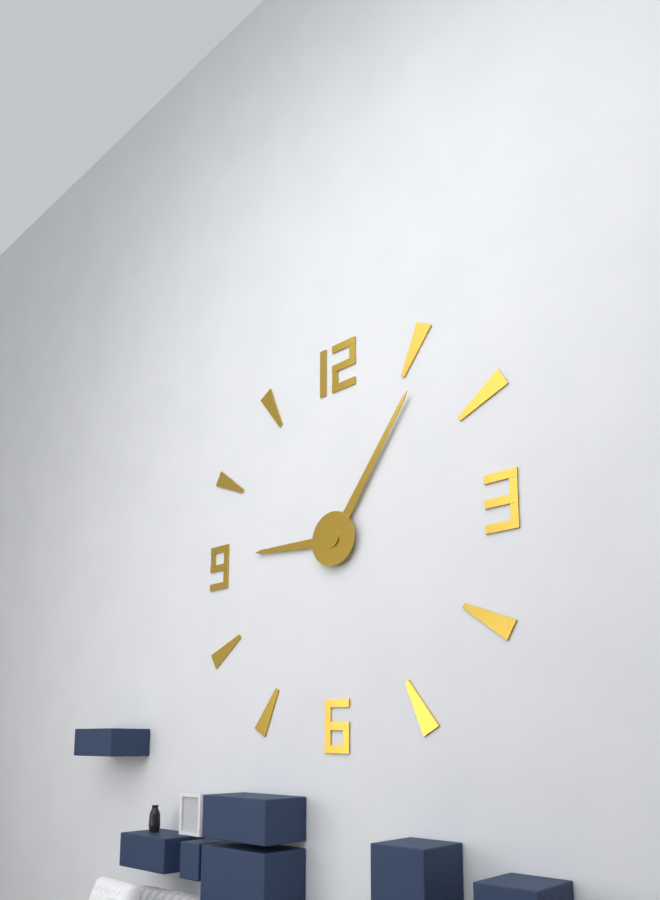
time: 9:06
